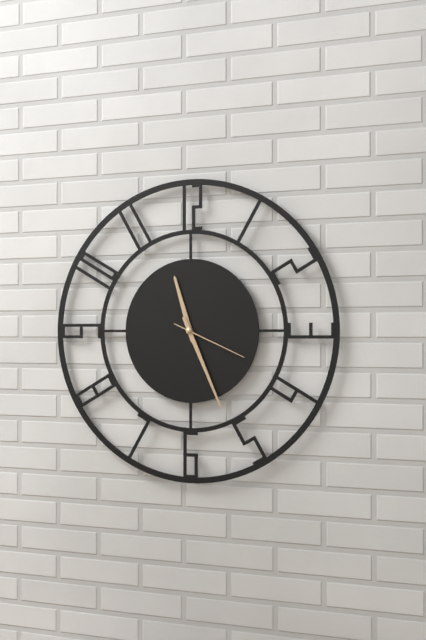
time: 11:26:19
